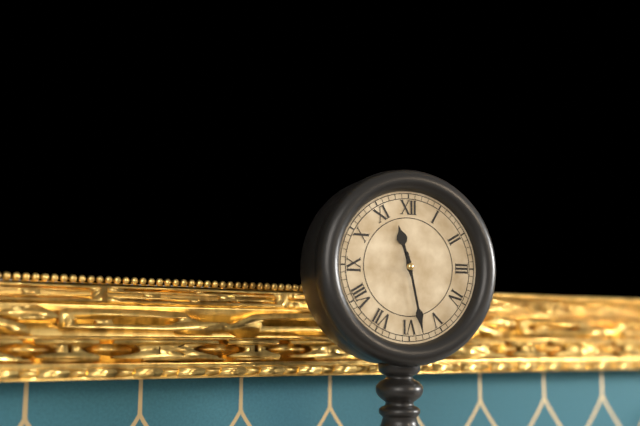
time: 11:28
